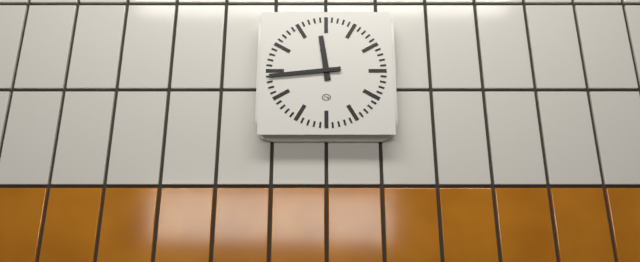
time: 11:44
